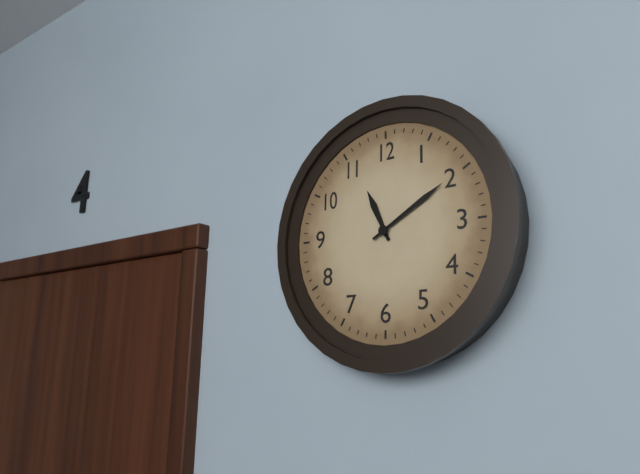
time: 11:10
